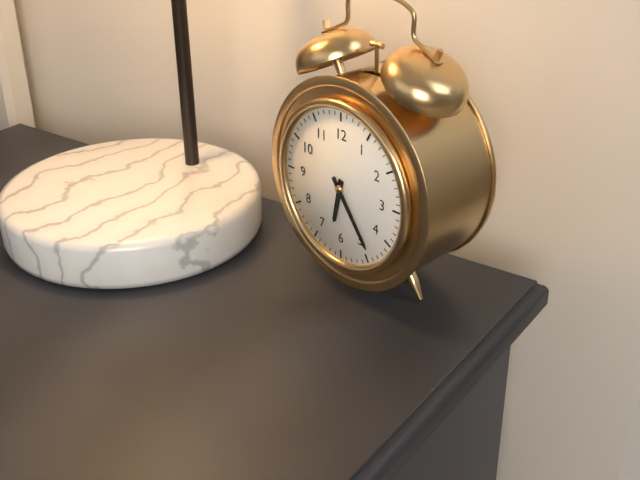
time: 6:24
